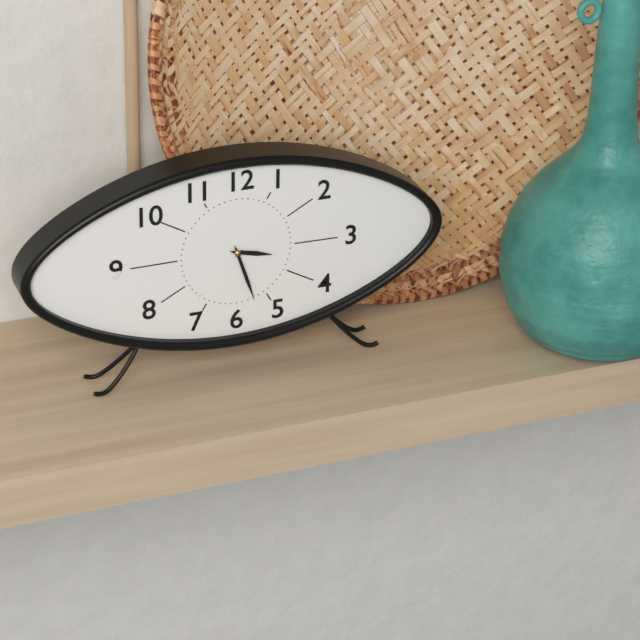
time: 3:27
